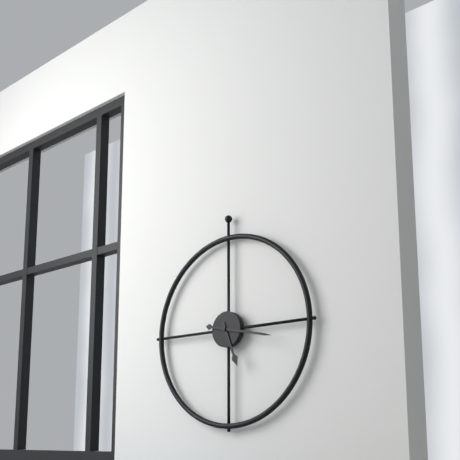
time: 5:17
